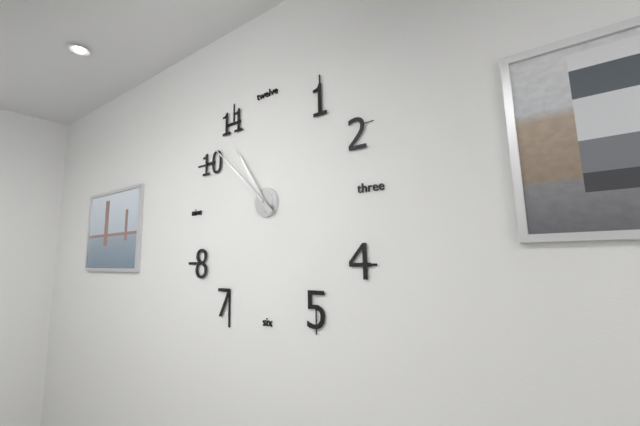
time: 10:52
